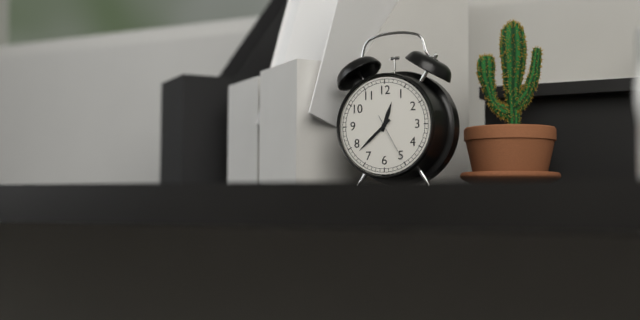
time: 12:38
